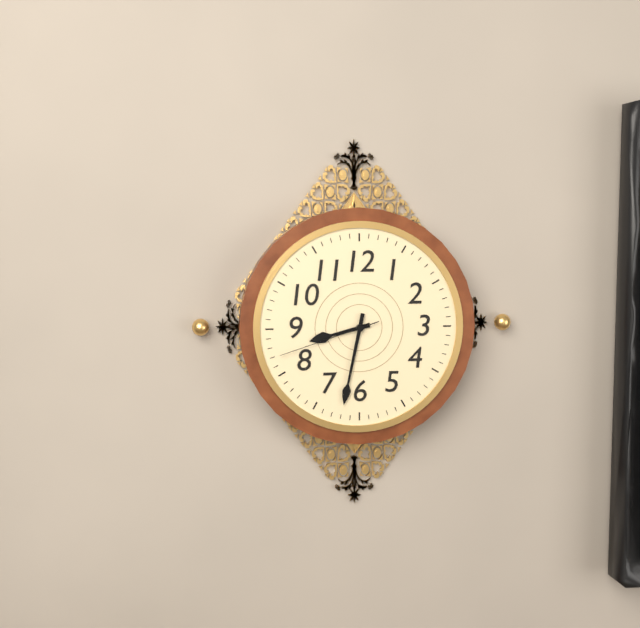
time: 8:32:42
